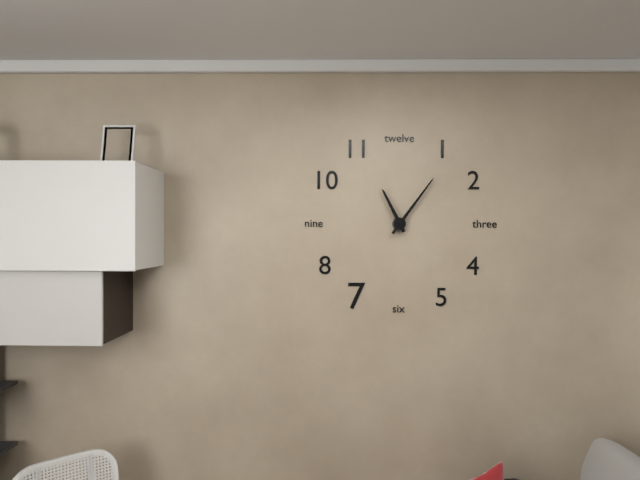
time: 11:06
